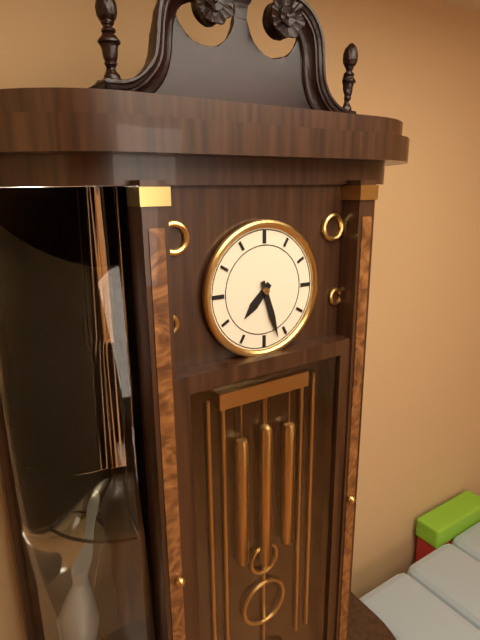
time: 7:27
